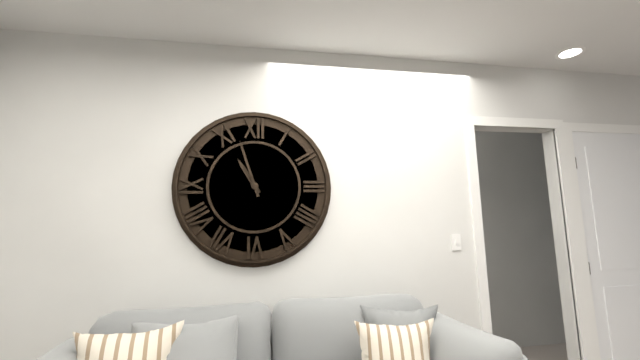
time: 10:57
